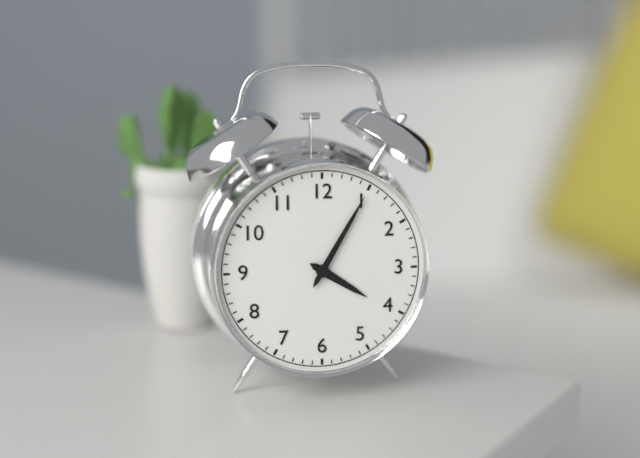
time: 4:05
